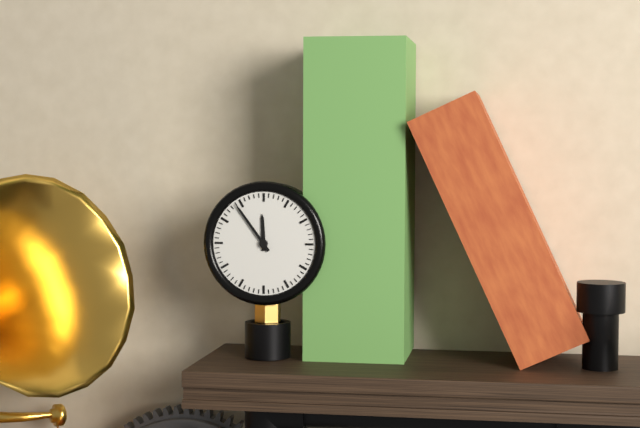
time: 11:54
